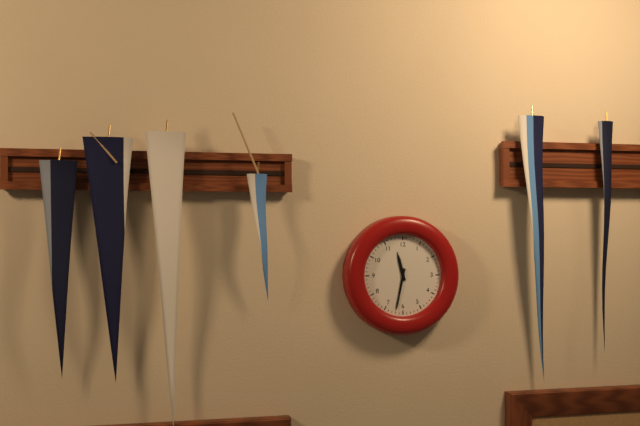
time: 11:32
